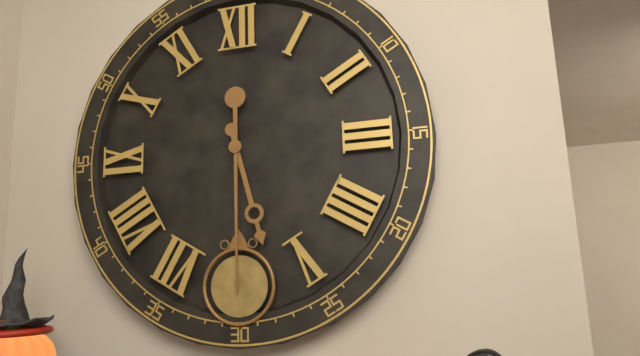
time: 5:30
